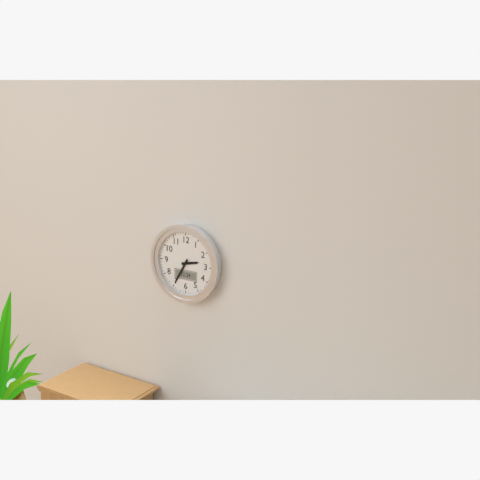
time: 2:35
